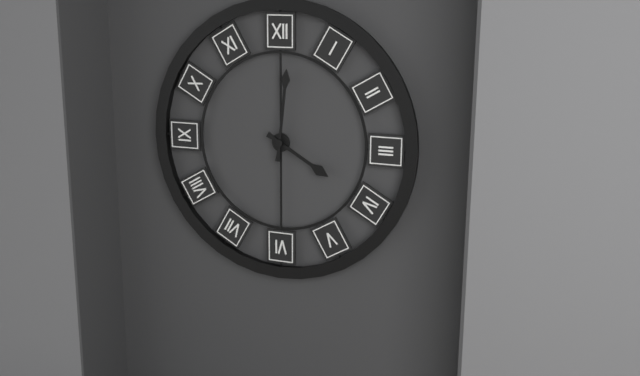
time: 4:01
